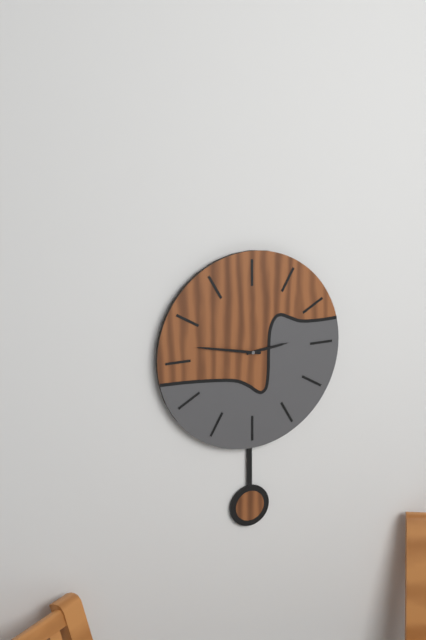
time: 2:47
